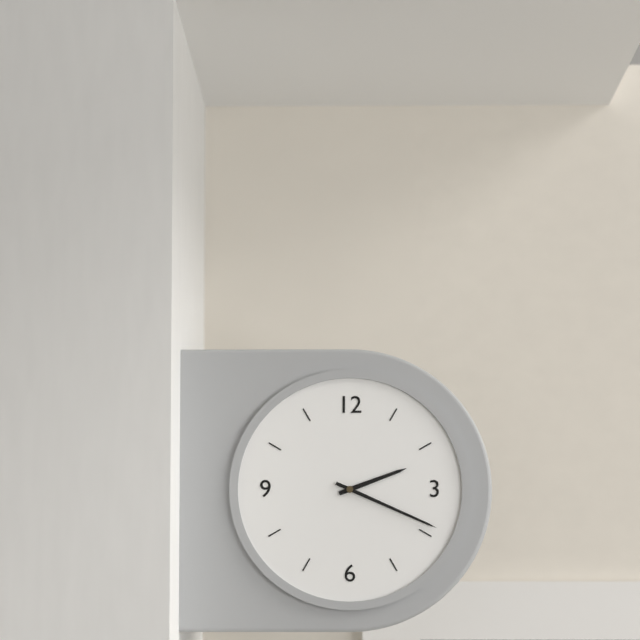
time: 2:19
